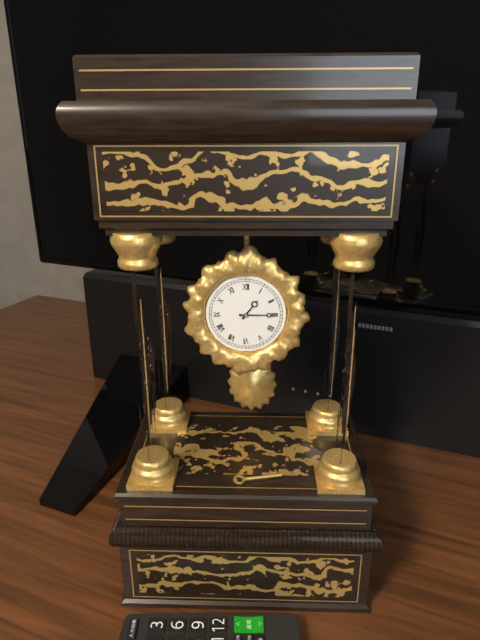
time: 1:15
